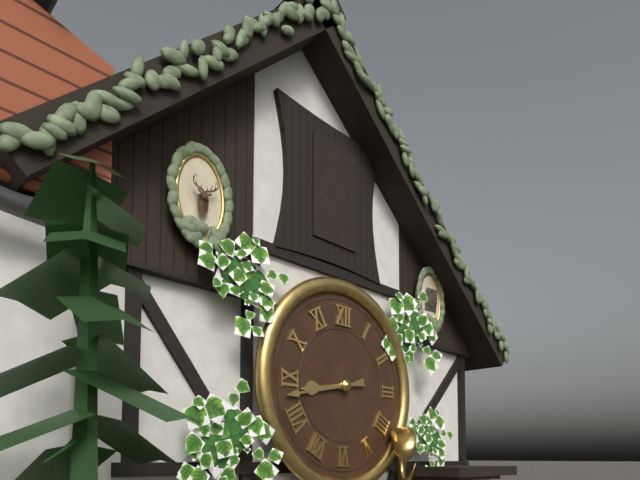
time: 8:43
